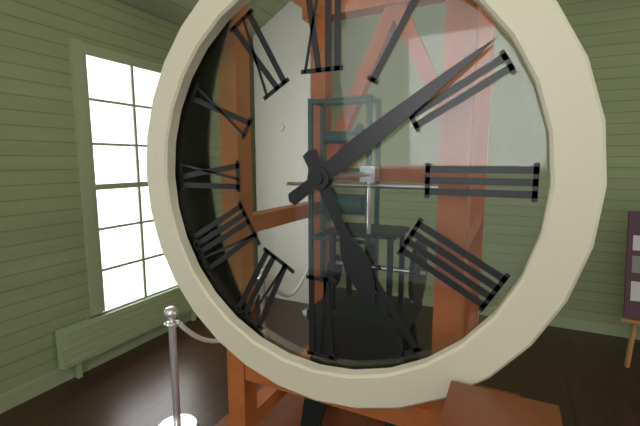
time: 5:09
